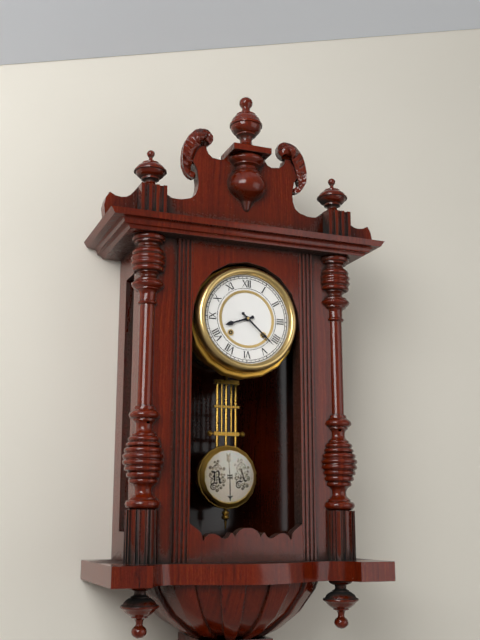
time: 8:22
